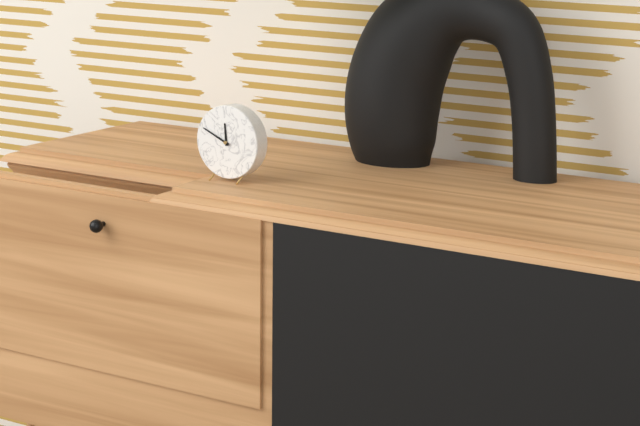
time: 11:49
